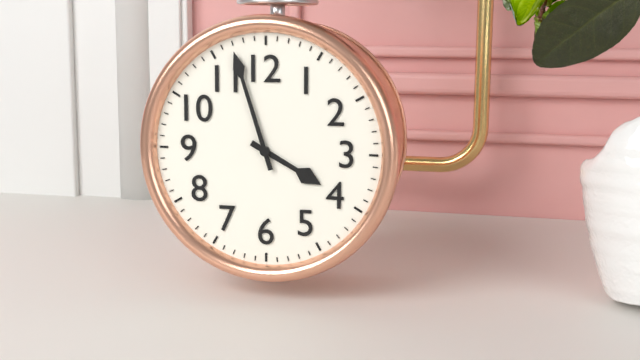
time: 3:57
